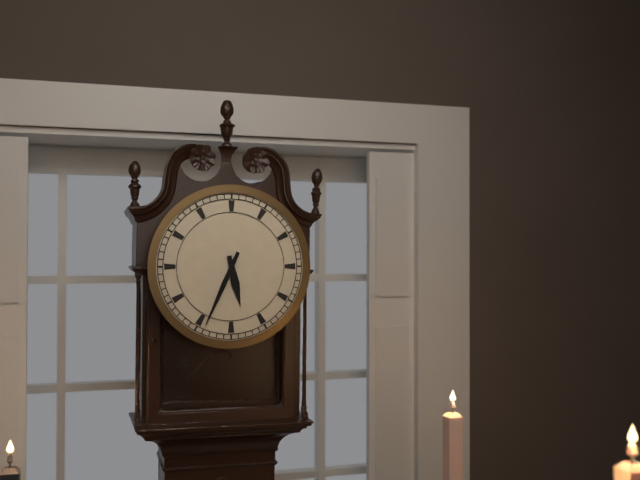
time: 5:34
